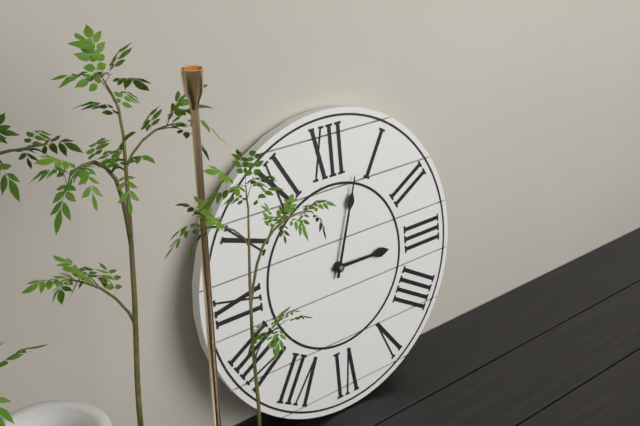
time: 3:03
